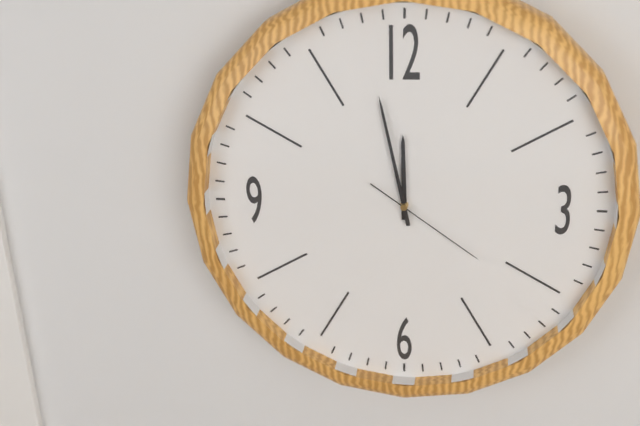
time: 11:58:21
